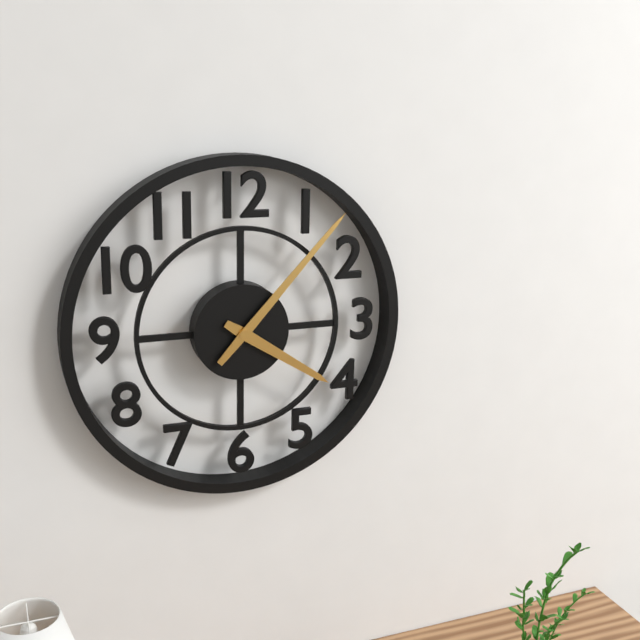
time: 4:07
